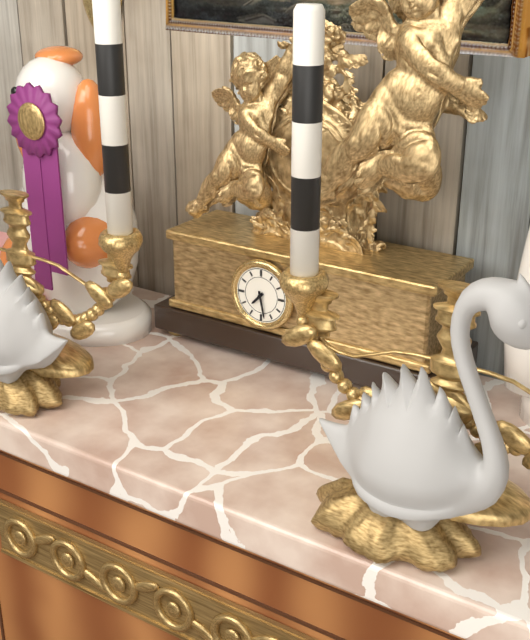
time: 7:28
